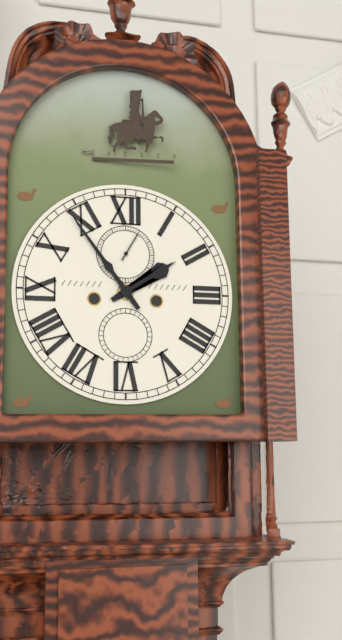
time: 1:54
